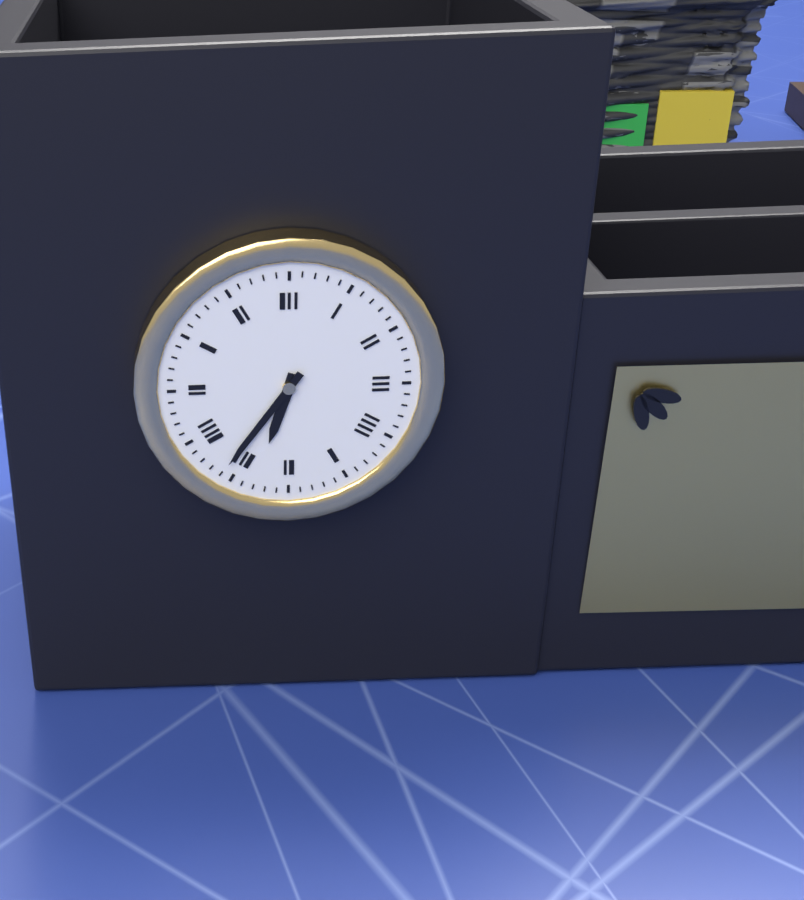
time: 6:36
